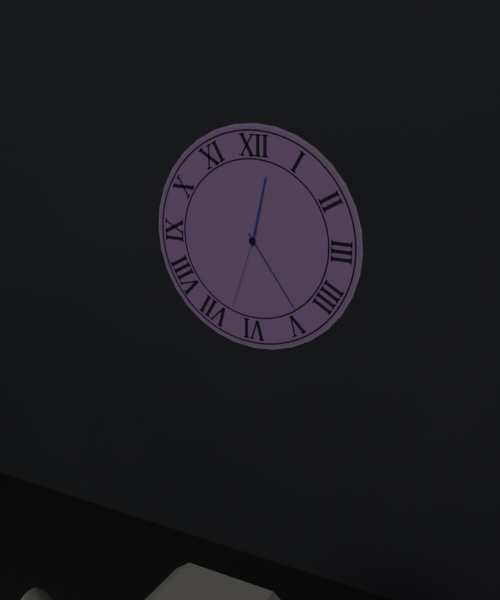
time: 12:24:33
